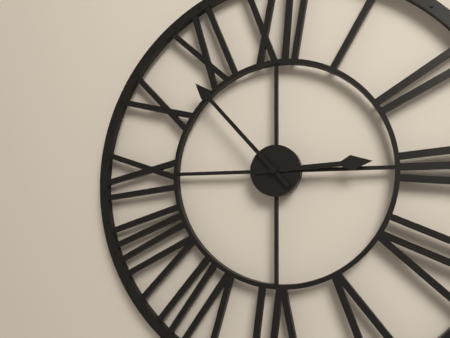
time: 2:53
